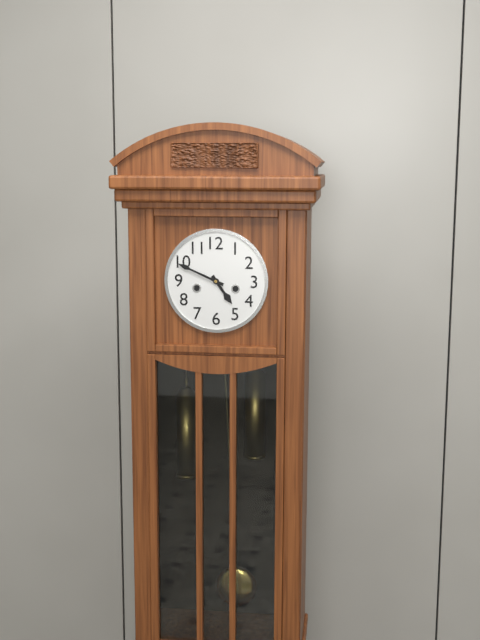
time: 4:49
